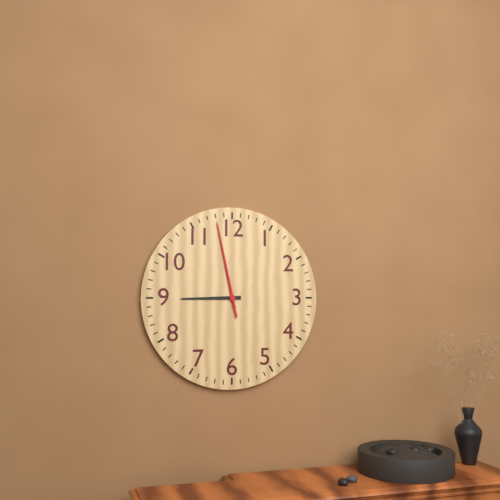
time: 8:58:58
